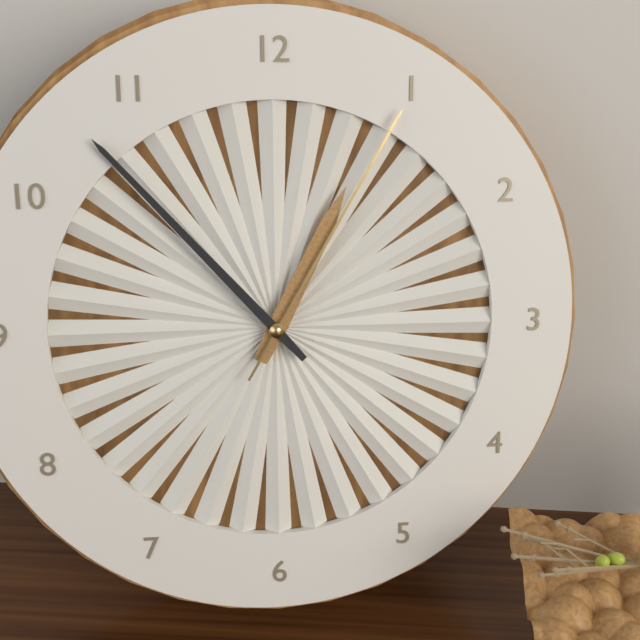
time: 12:53:05
